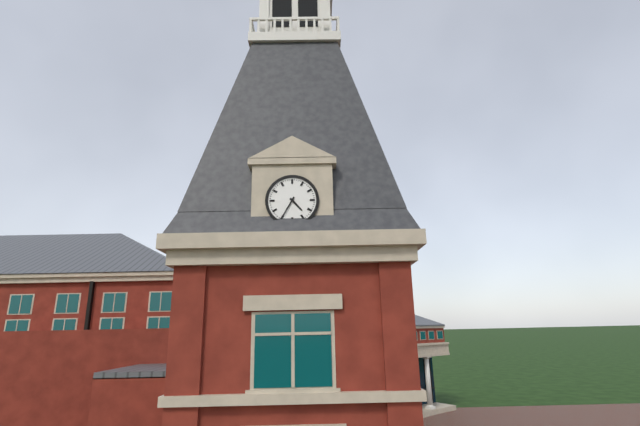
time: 4:35
